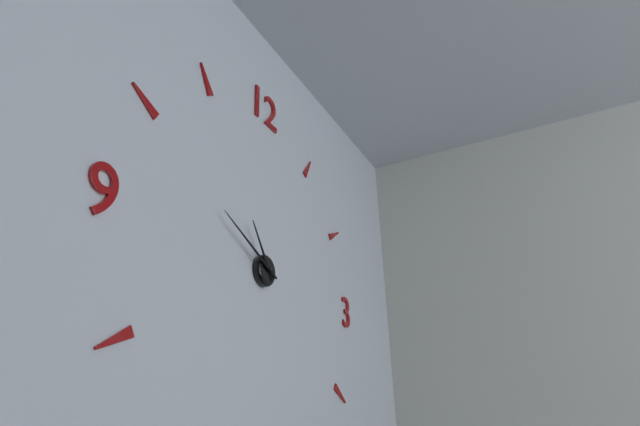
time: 10:49
